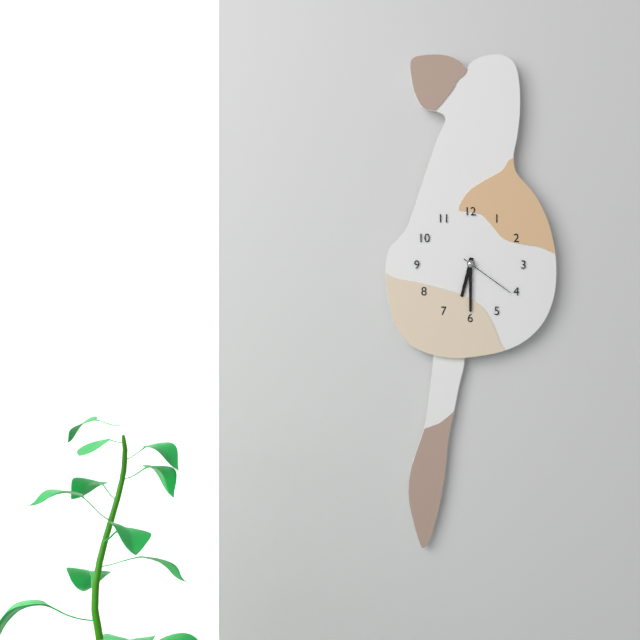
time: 6:30:21
